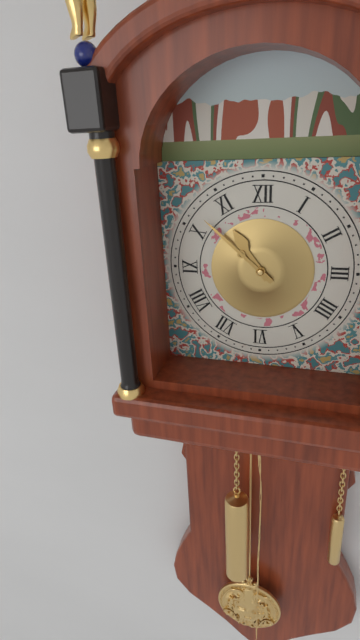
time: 10:52
